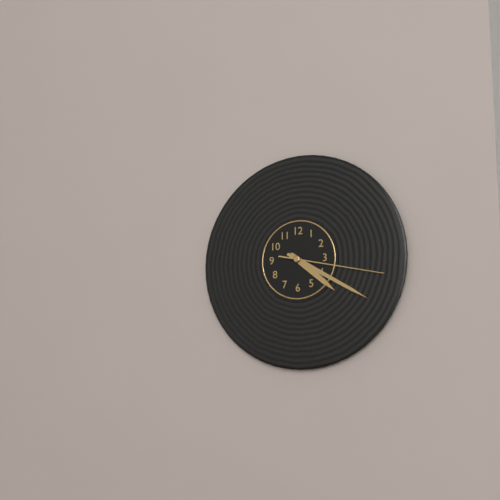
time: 4:20:17
